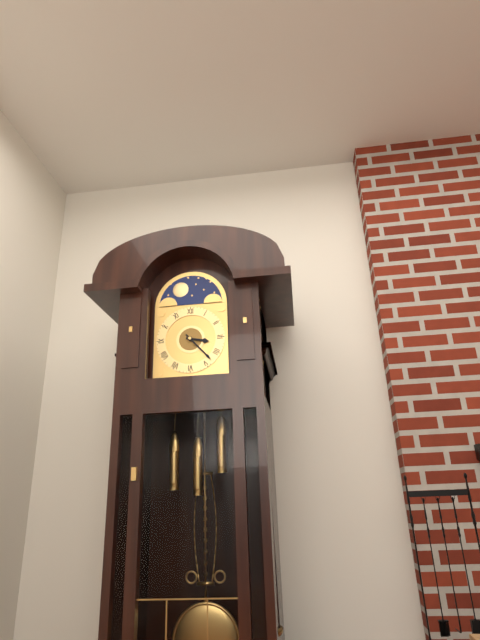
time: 3:23
